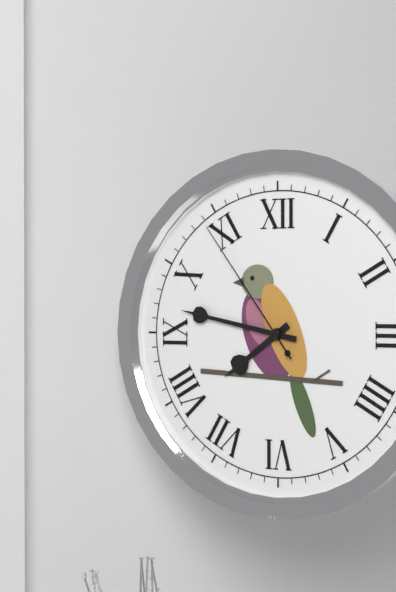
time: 7:47:54
